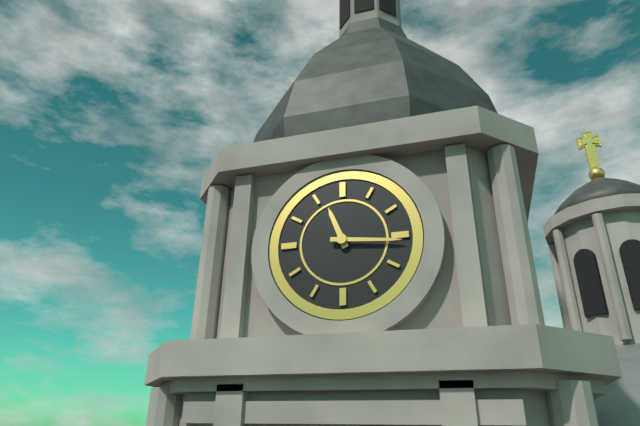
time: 11:16
